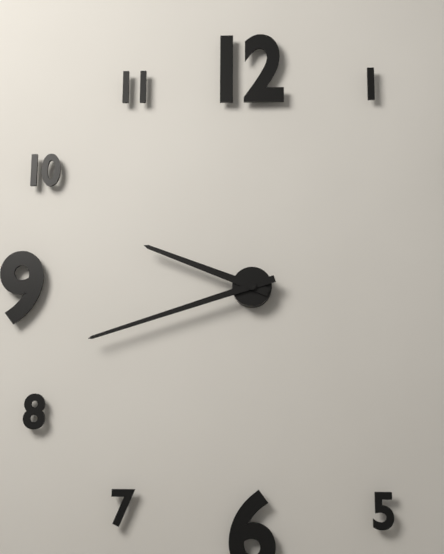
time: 9:42
